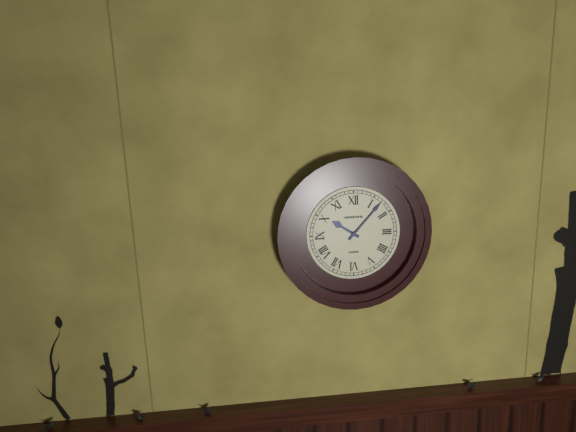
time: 10:07
